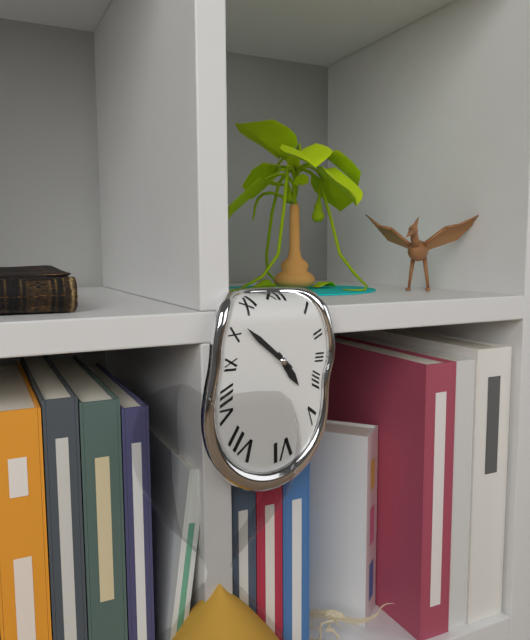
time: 4:52
